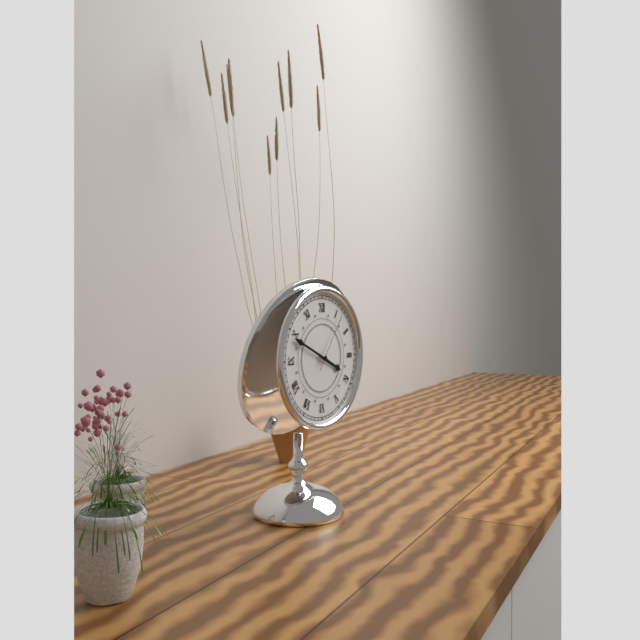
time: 3:49:06
